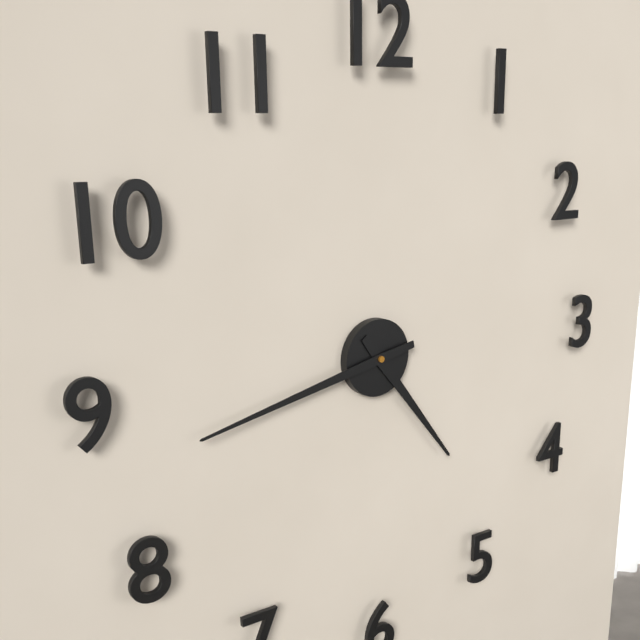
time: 4:43
